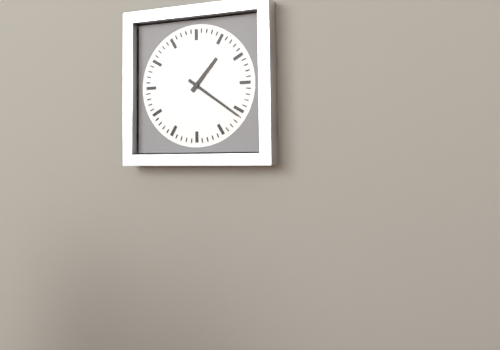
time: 1:21
